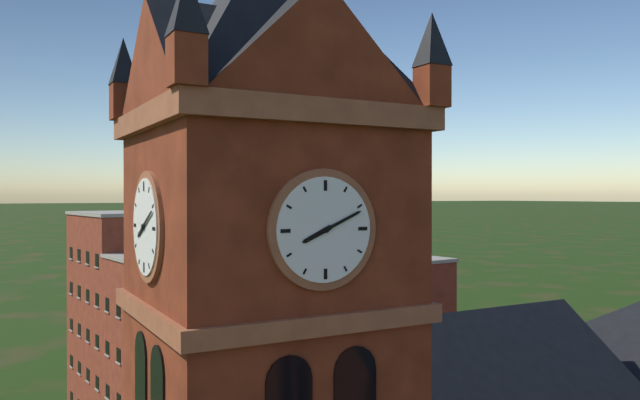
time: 8:11
